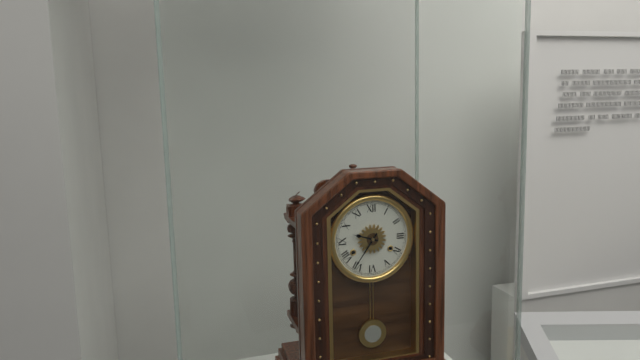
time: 9:36
